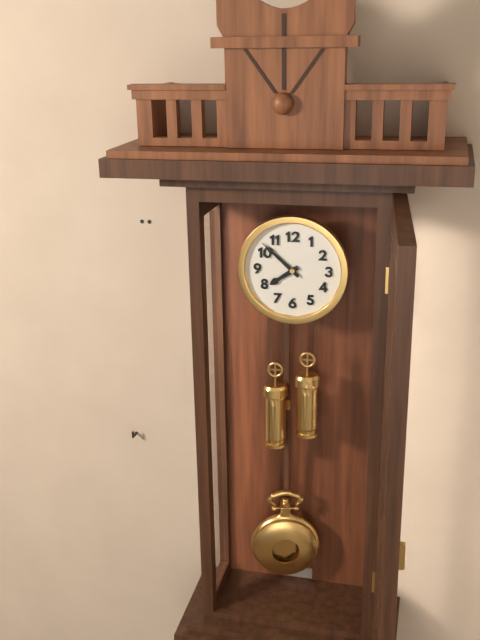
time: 7:52
